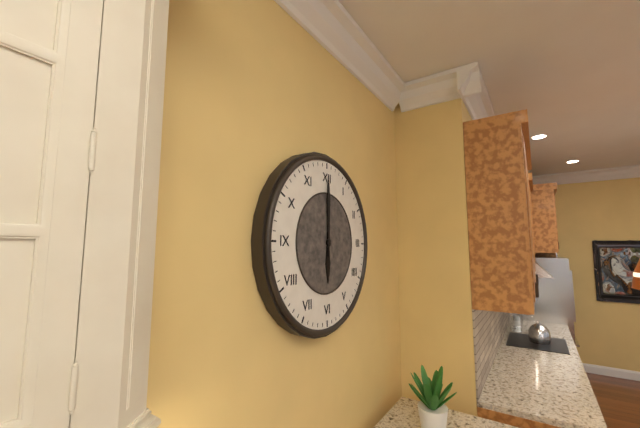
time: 6:00
